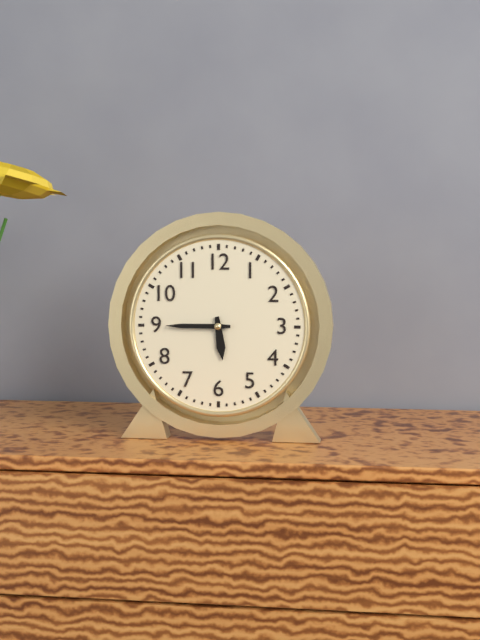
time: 5:45
